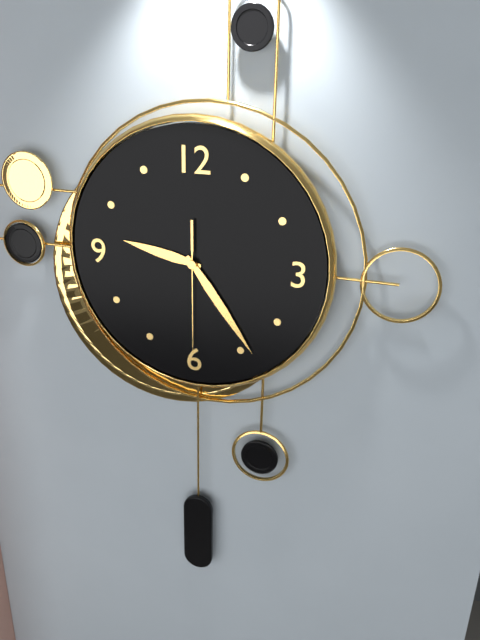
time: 9:24:30
